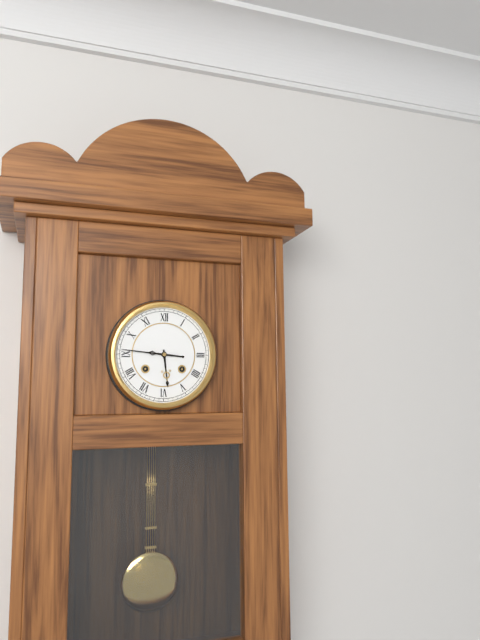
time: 5:46
